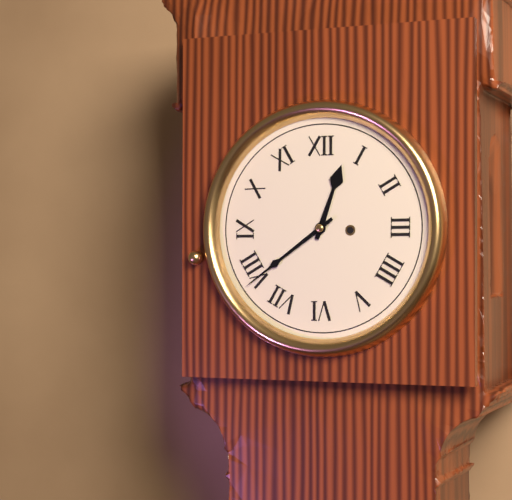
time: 12:39
